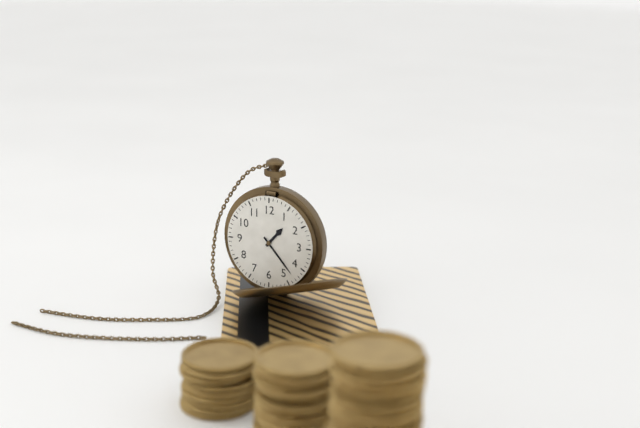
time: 1:23
